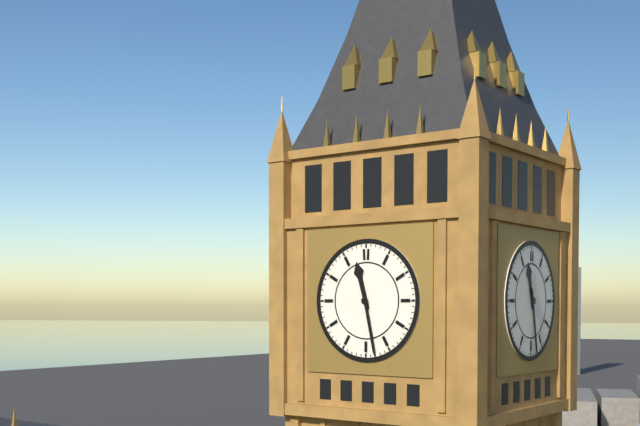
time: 11:28
